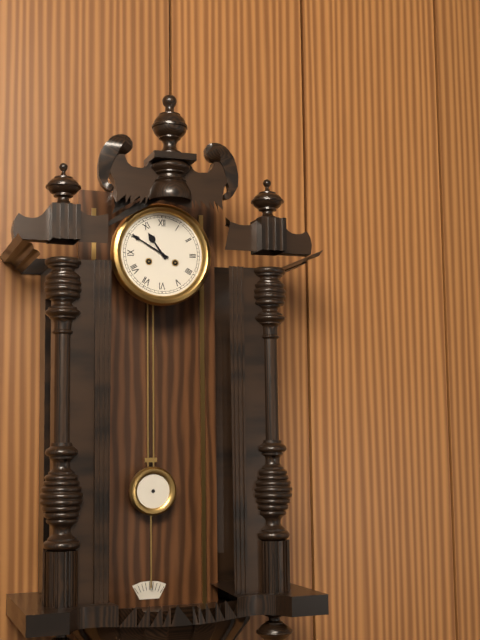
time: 10:50
